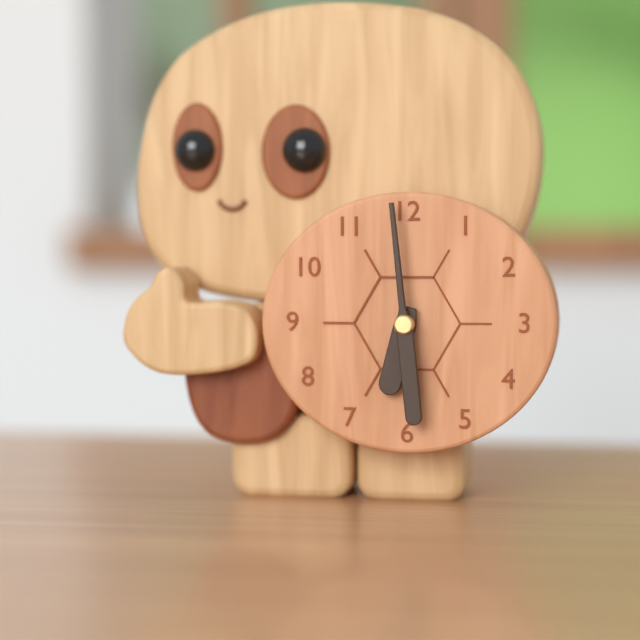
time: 6:29
